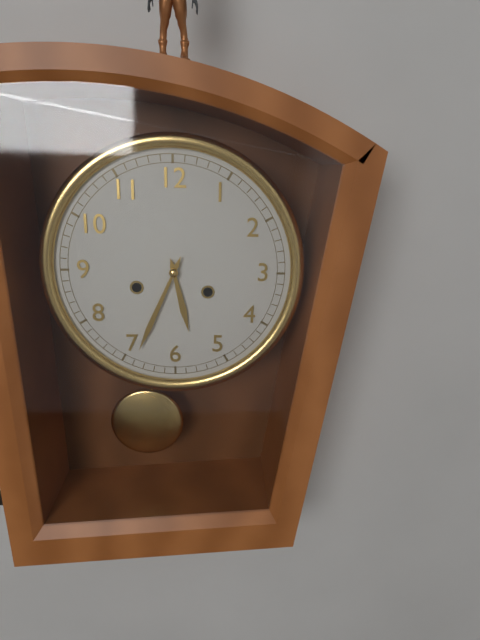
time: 5:34
